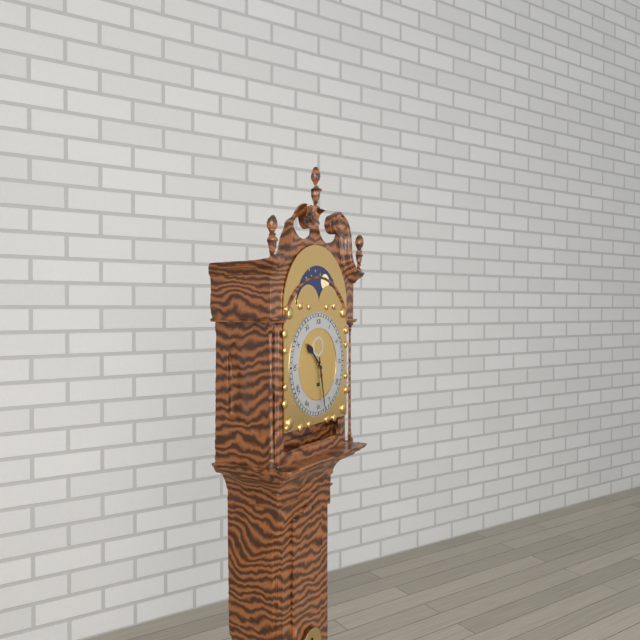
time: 10:28
